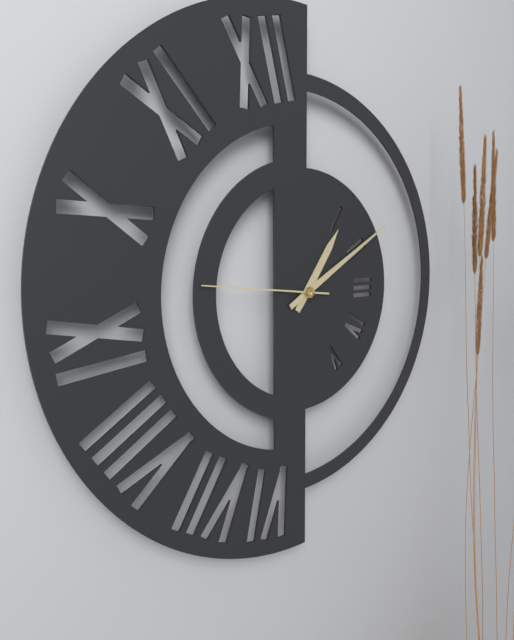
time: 1:10:46
